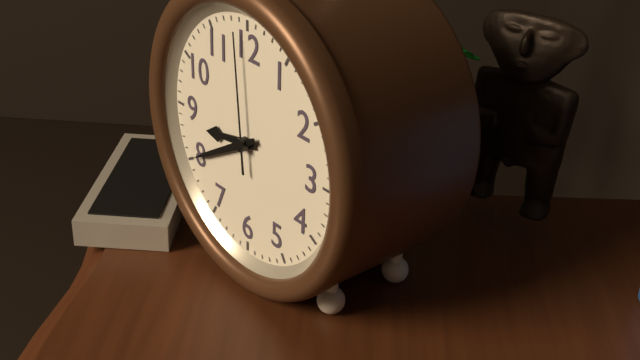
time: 8:40:59
